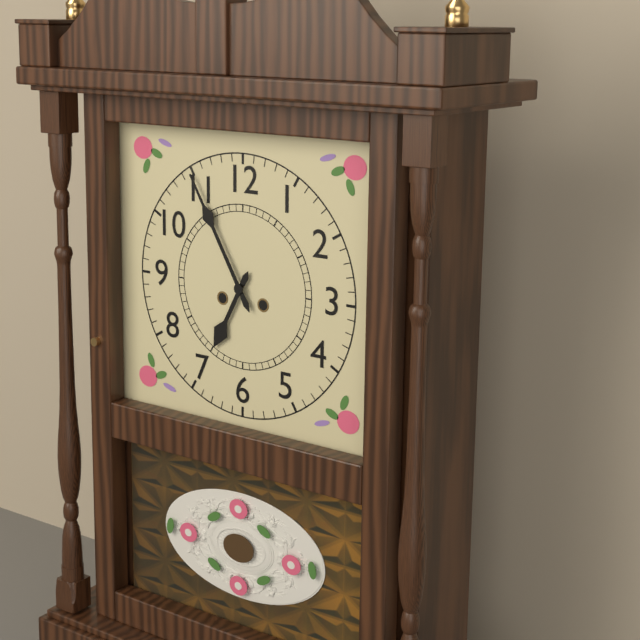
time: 6:55
